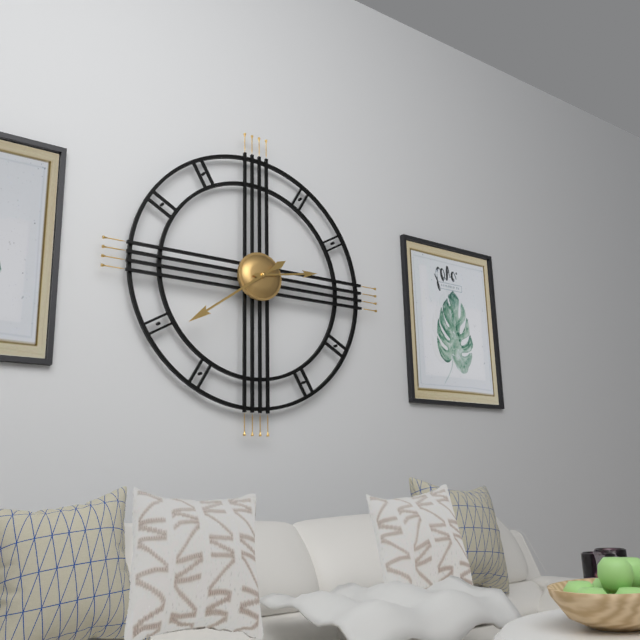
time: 2:39
